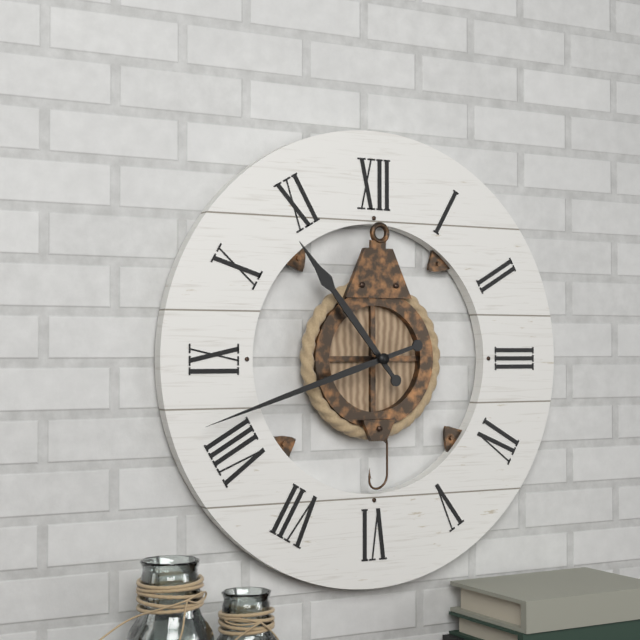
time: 10:42
